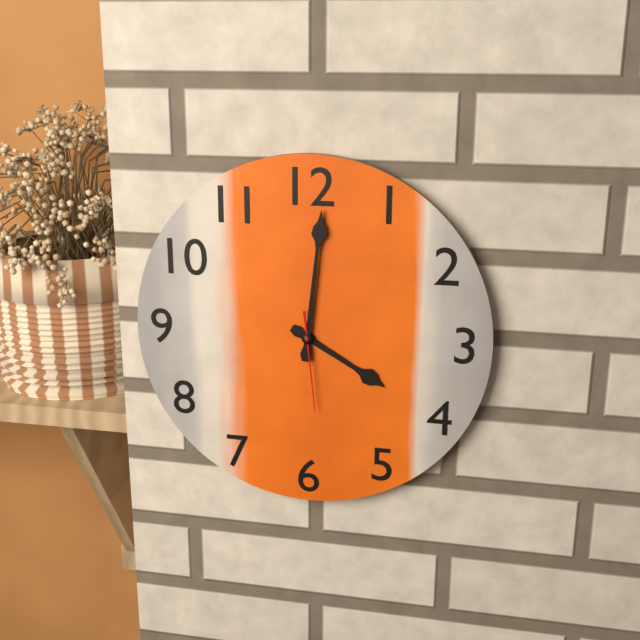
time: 4:01:29
